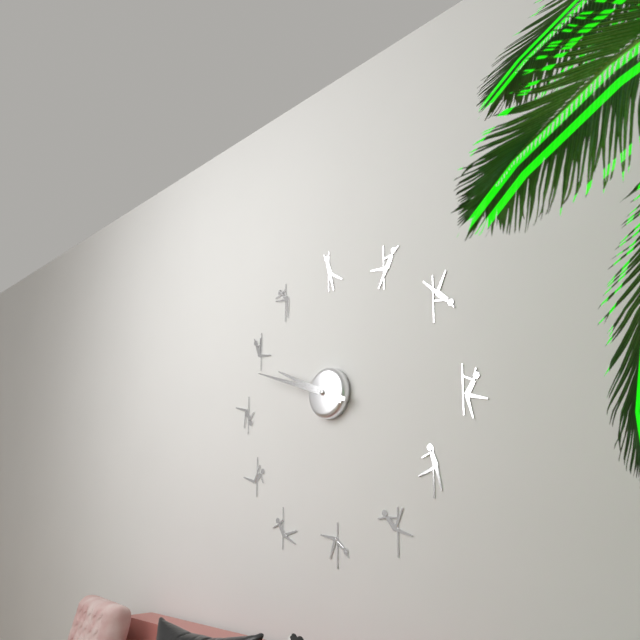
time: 9:48
